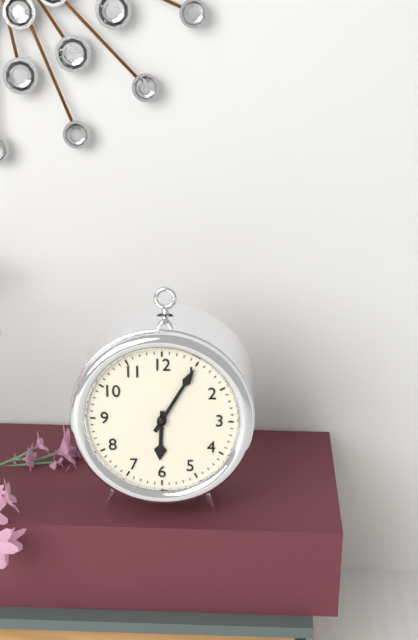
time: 6:05
